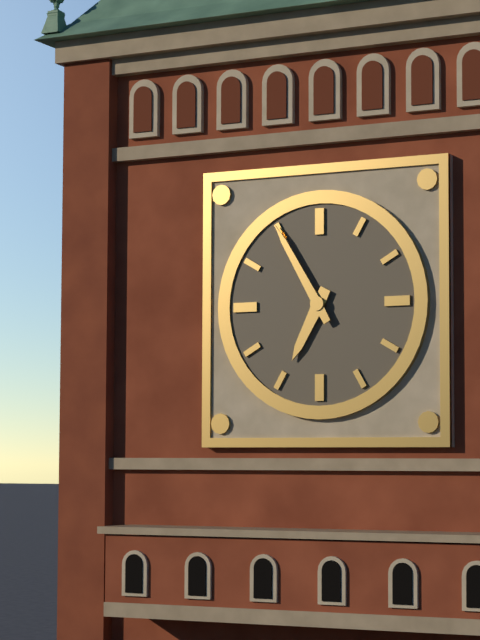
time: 6:55
